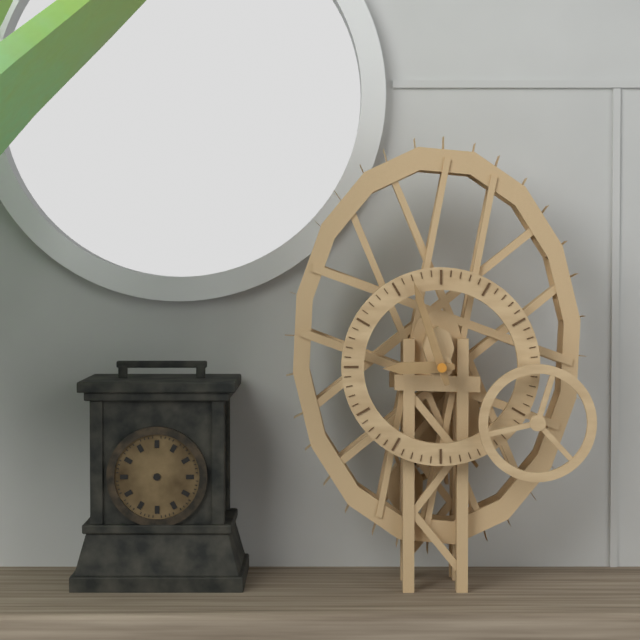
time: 8:57
